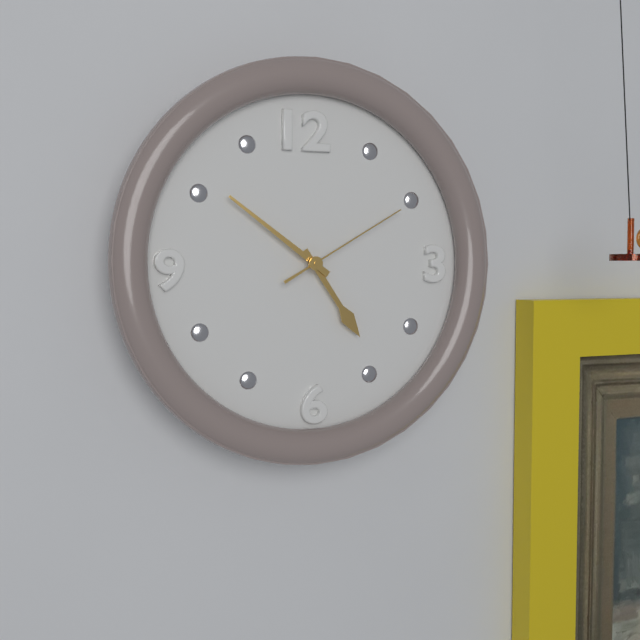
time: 4:51:10
